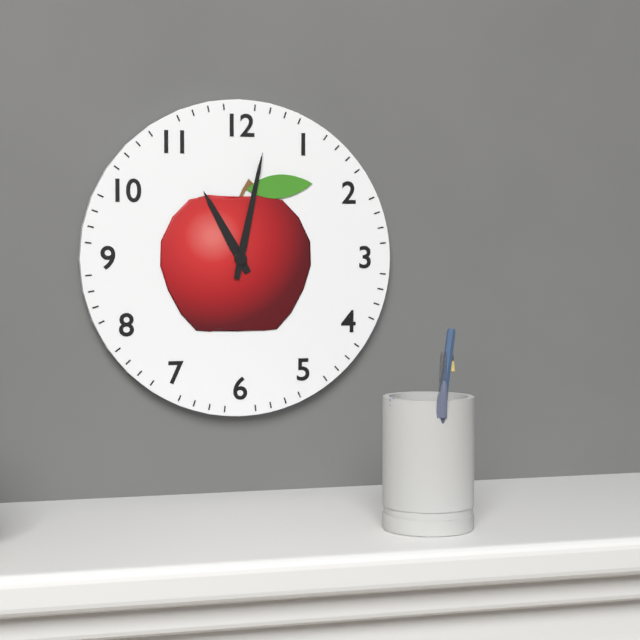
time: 11:02
